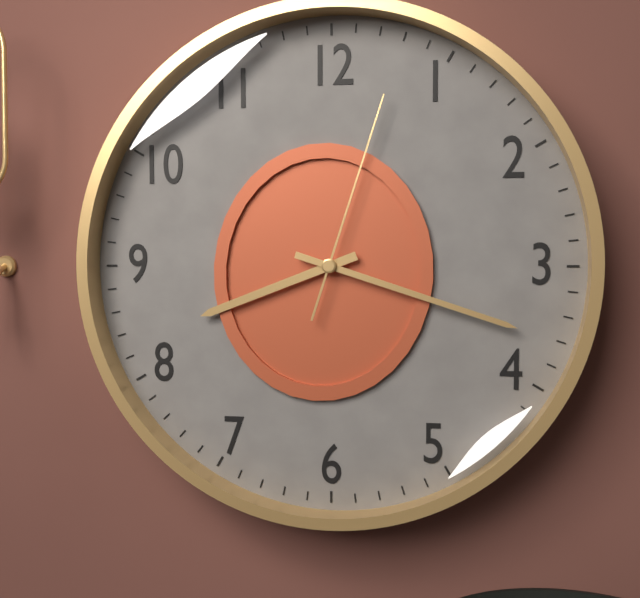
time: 8:18:03
